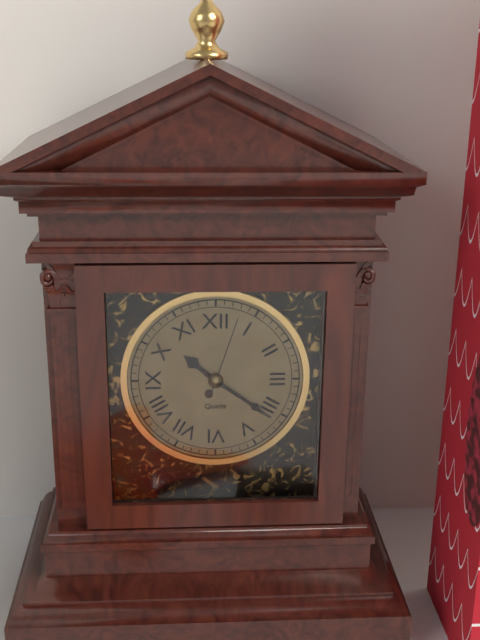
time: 10:21:03
